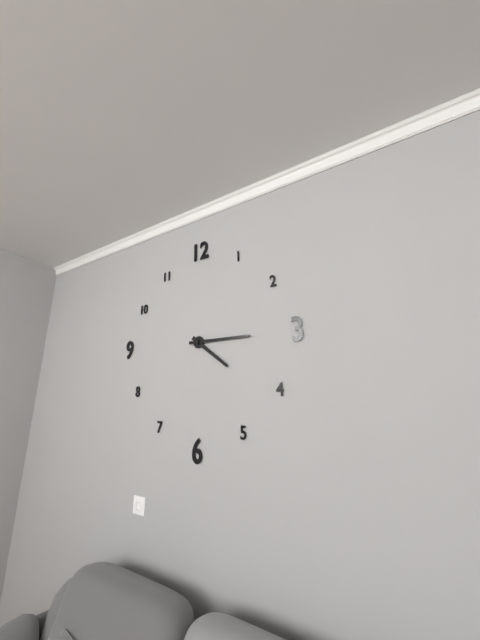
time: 4:15
